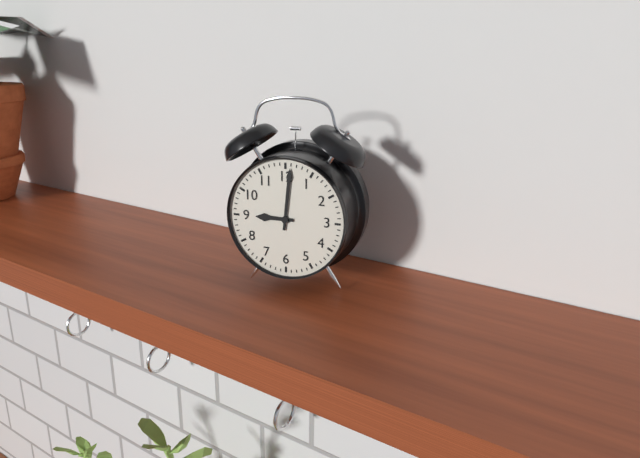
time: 9:01
